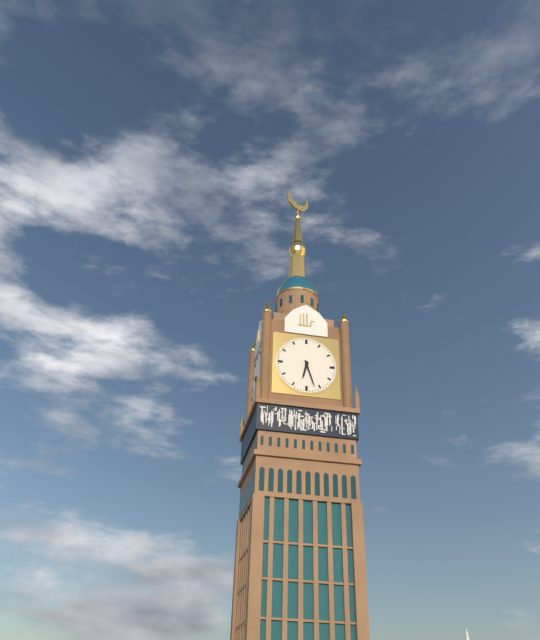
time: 6:27
